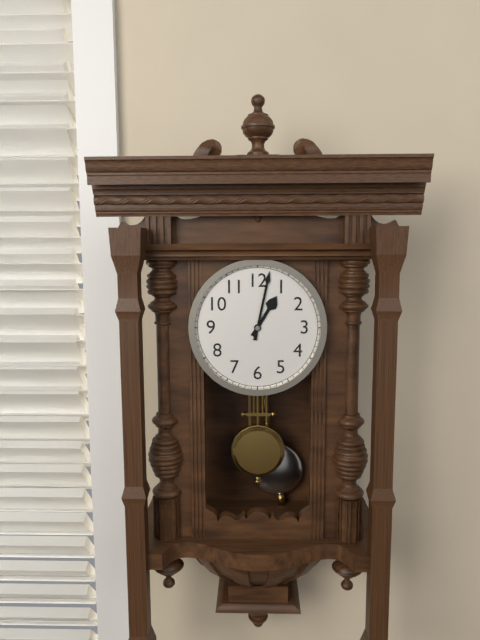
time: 1:02
